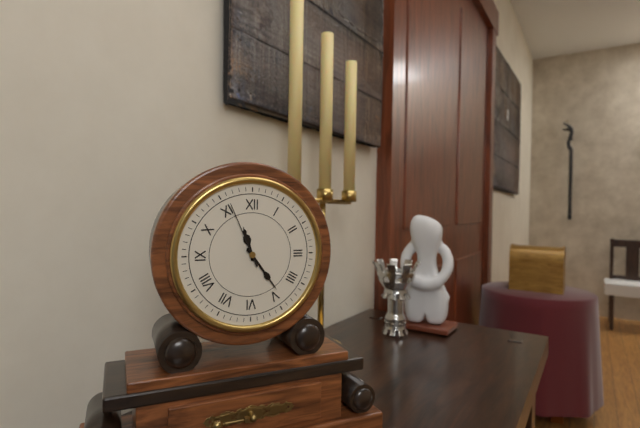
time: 11:24:56
